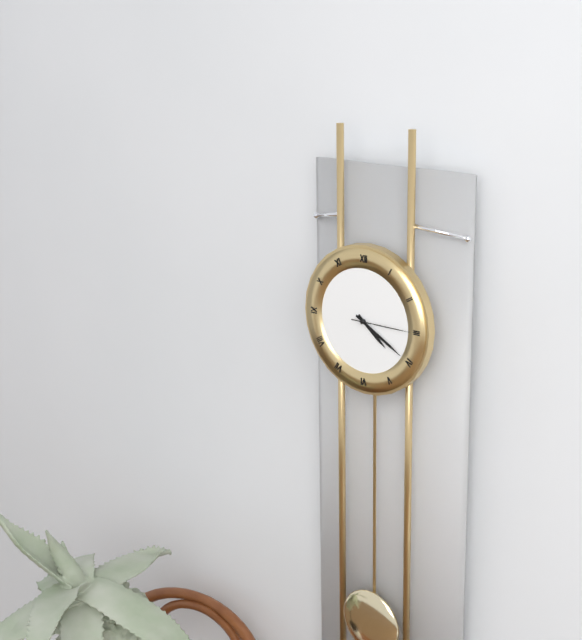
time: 4:20:15
